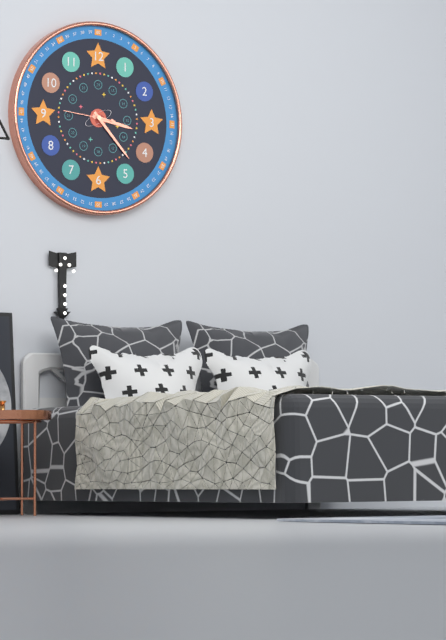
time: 3:23
